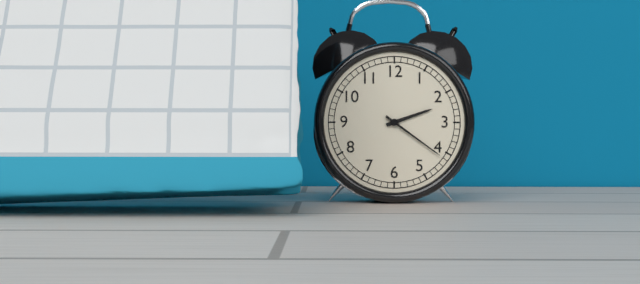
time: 2:21
